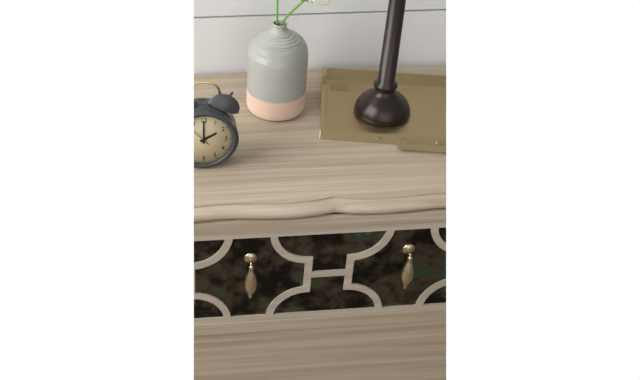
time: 2:00
